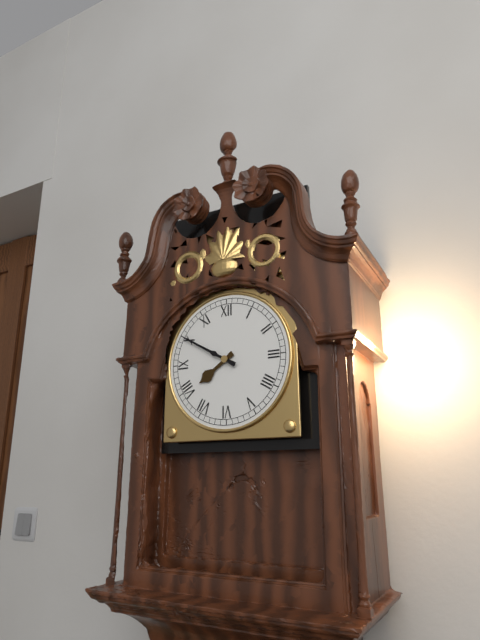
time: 7:50
